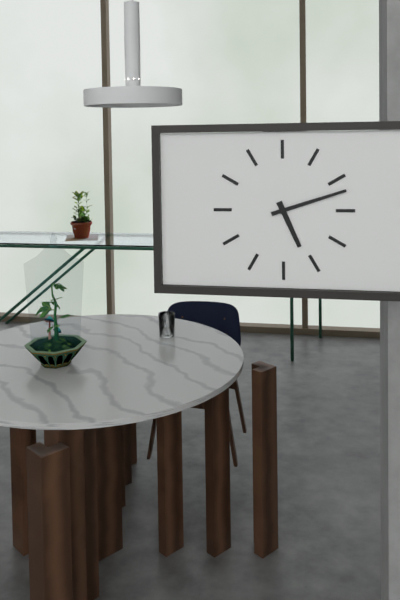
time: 5:12
